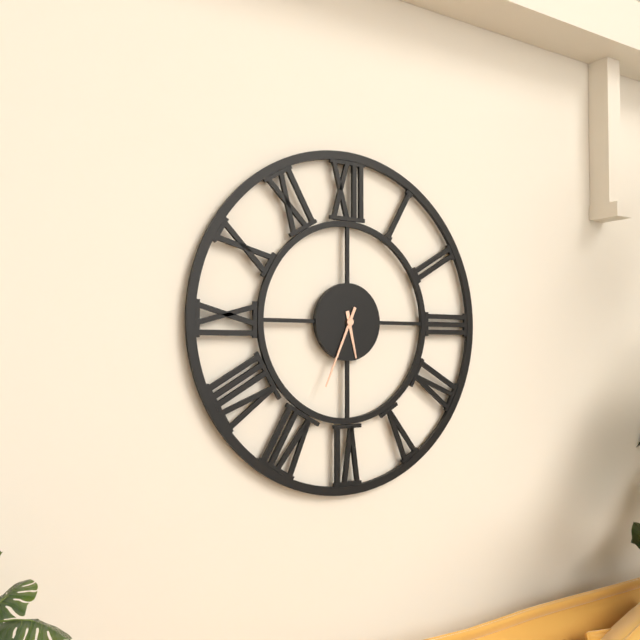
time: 5:34
